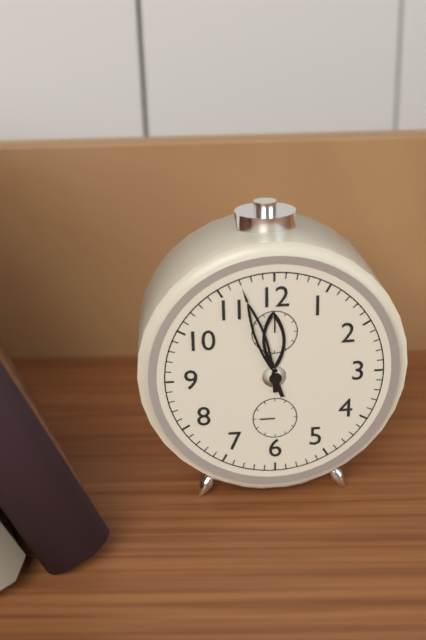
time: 11:57
